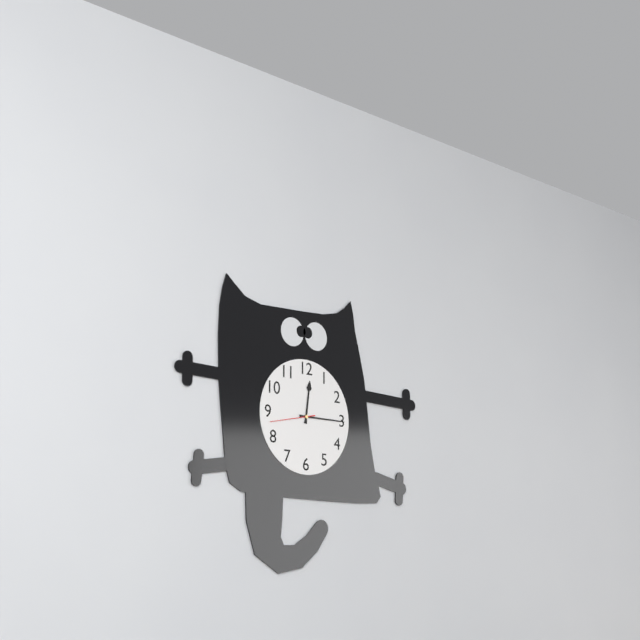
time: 12:15
